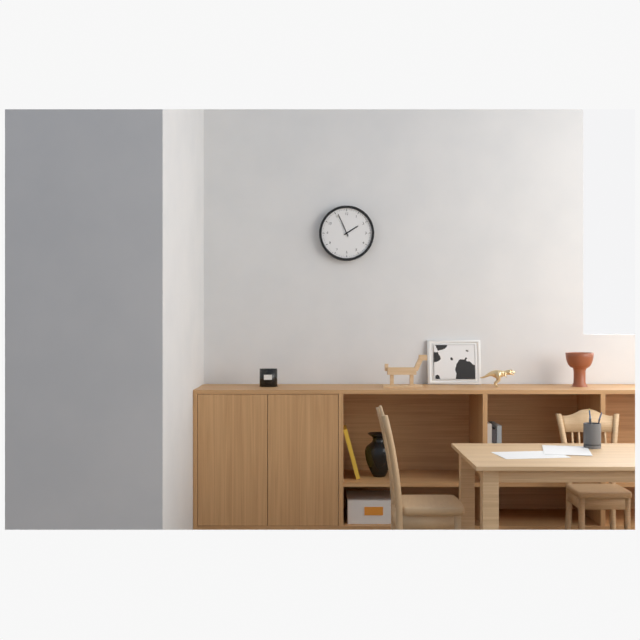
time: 1:56
